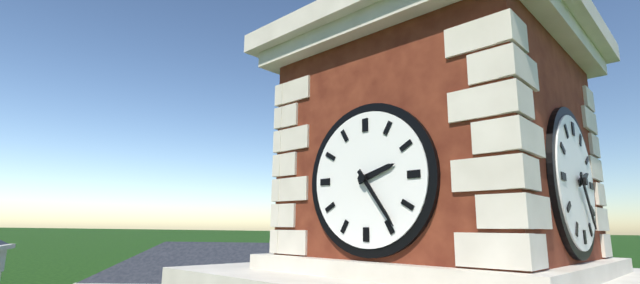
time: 2:24
